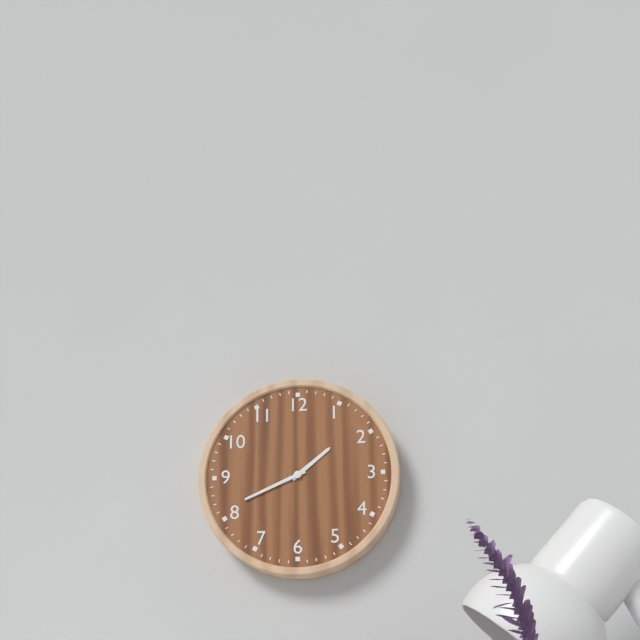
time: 1:41
